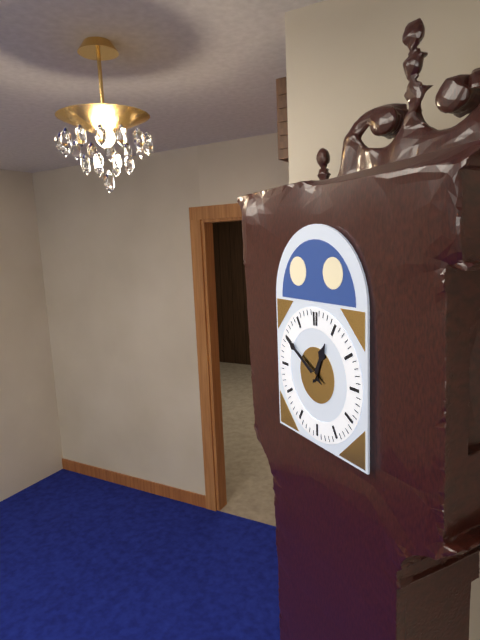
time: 12:50
